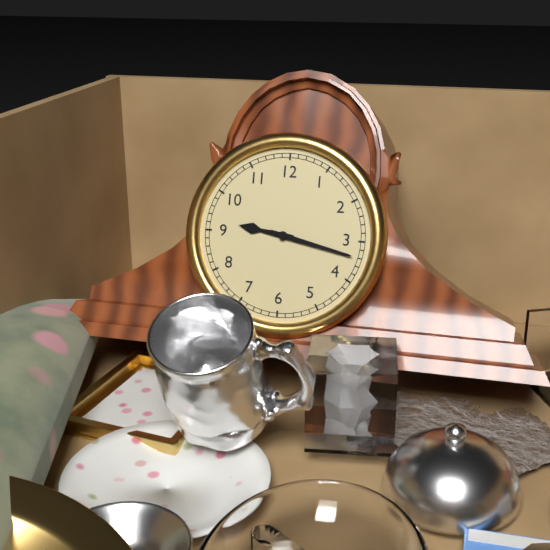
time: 9:17
